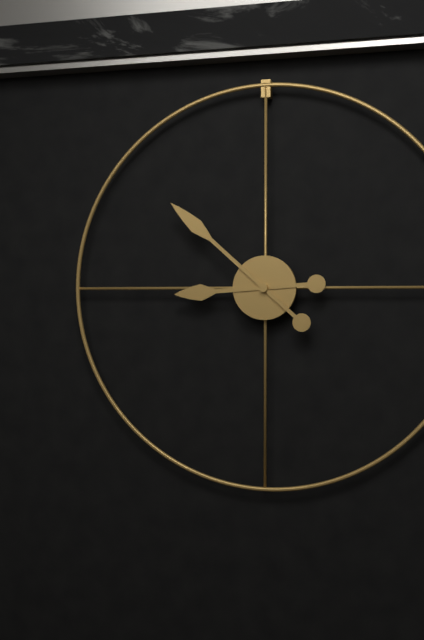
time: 8:52
